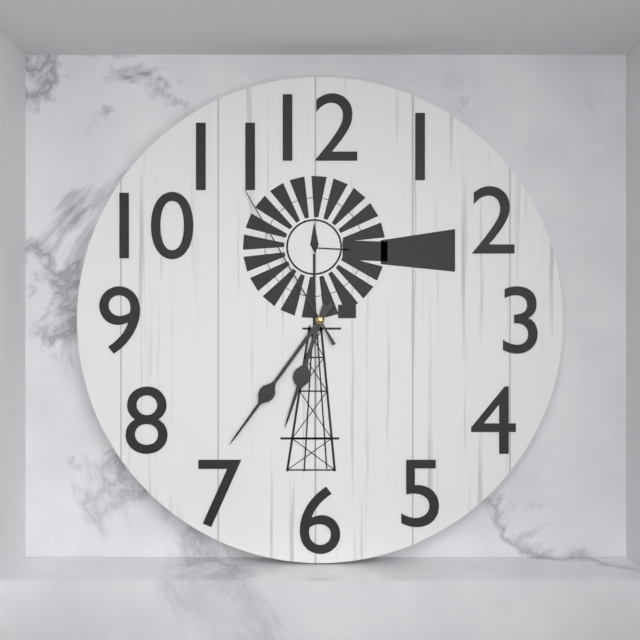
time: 6:36:55
